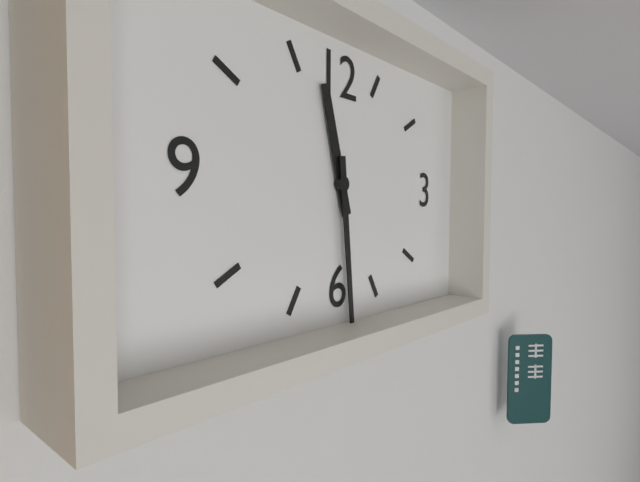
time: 11:29
